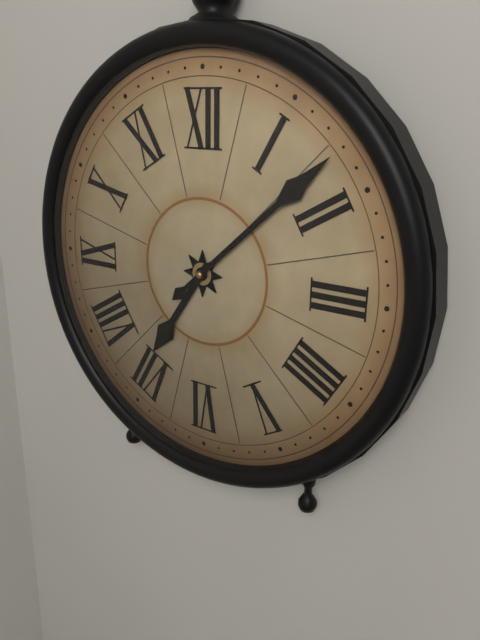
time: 7:08
